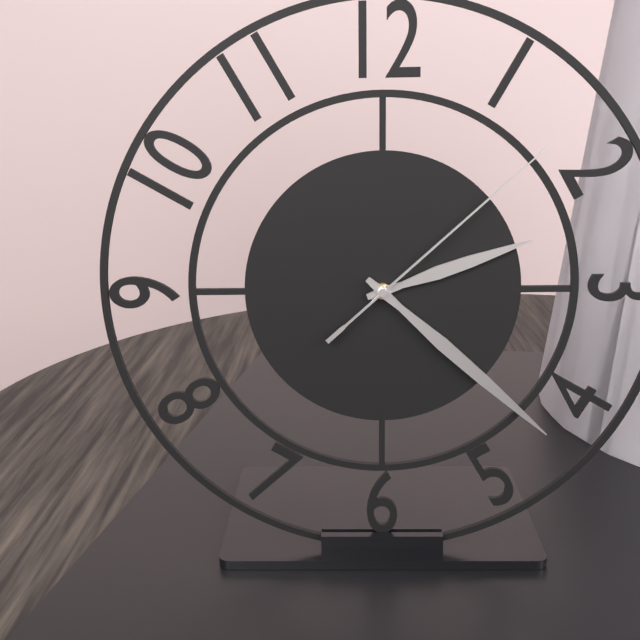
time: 2:22:08
